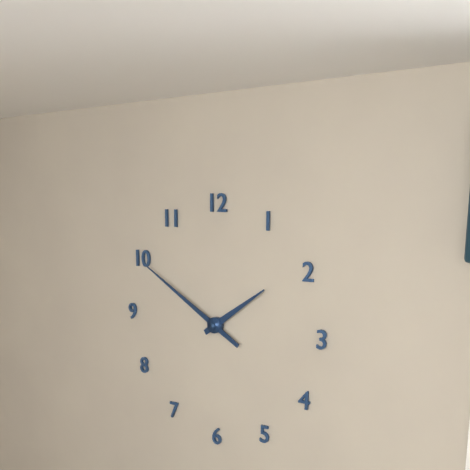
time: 1:50
